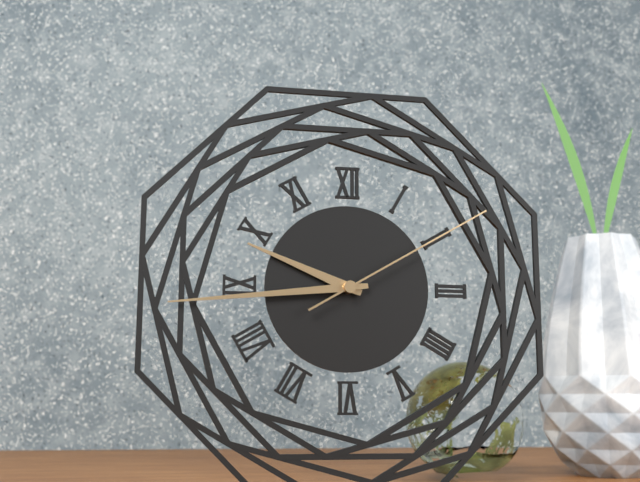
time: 9:44:10
